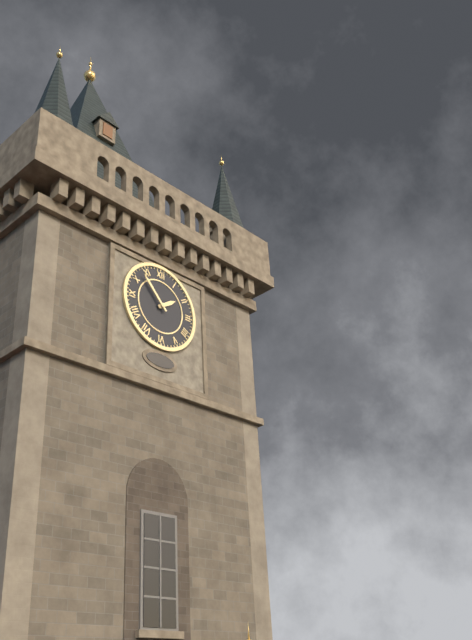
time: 1:53
